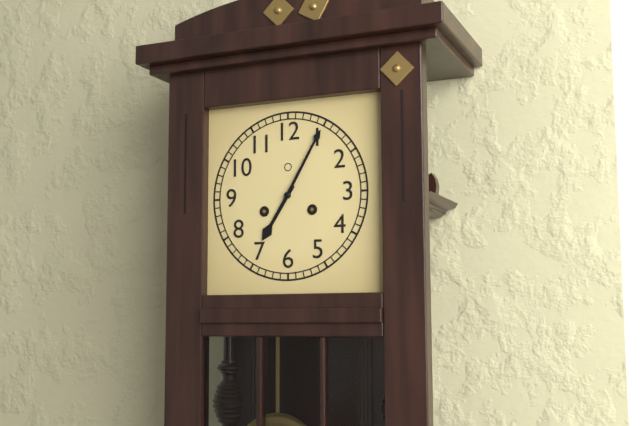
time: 7:05
